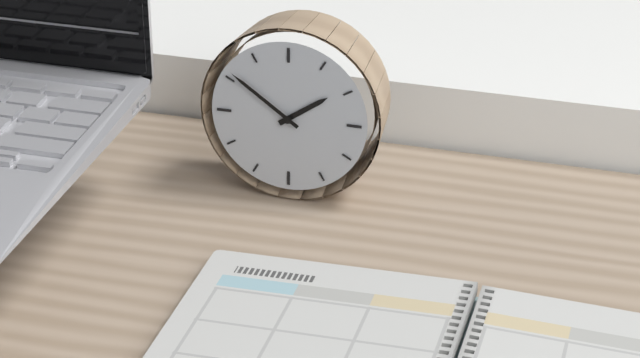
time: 1:51
